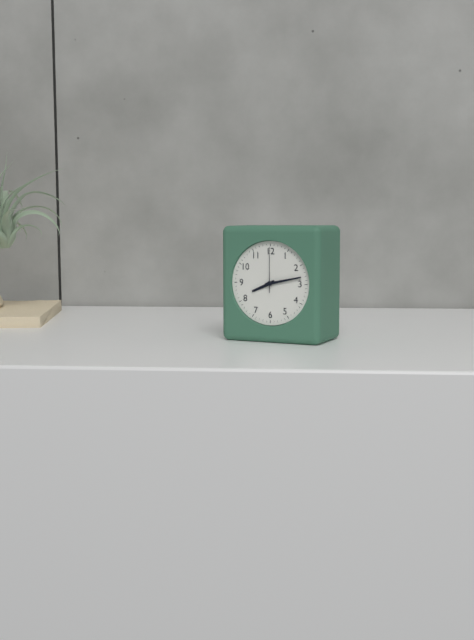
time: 8:13
